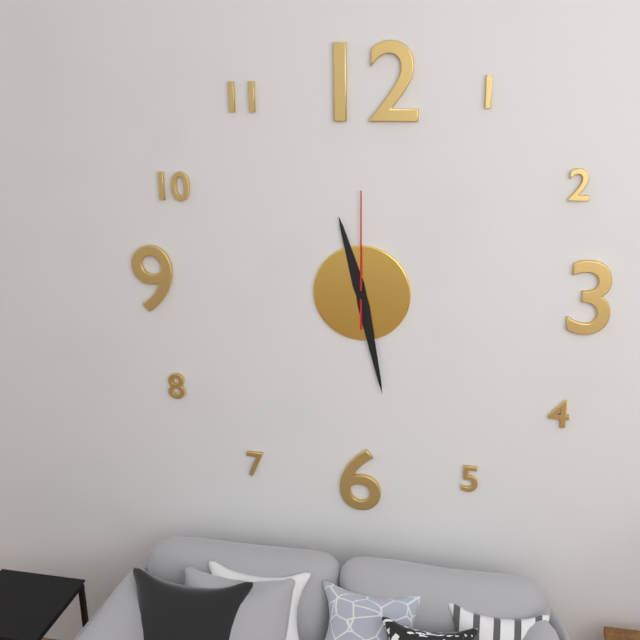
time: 11:28:00
